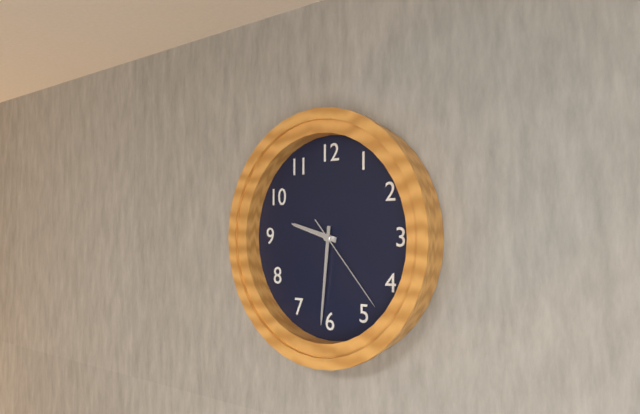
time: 9:31:23
